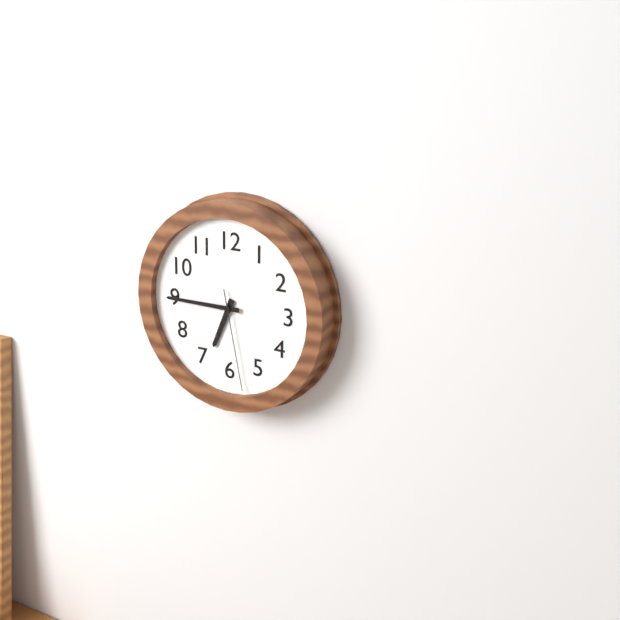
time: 6:45:28
